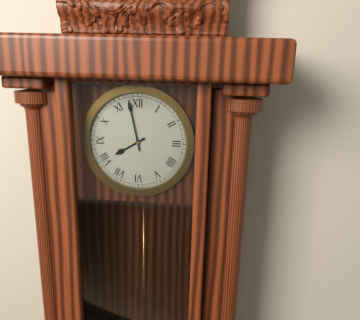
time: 7:58
